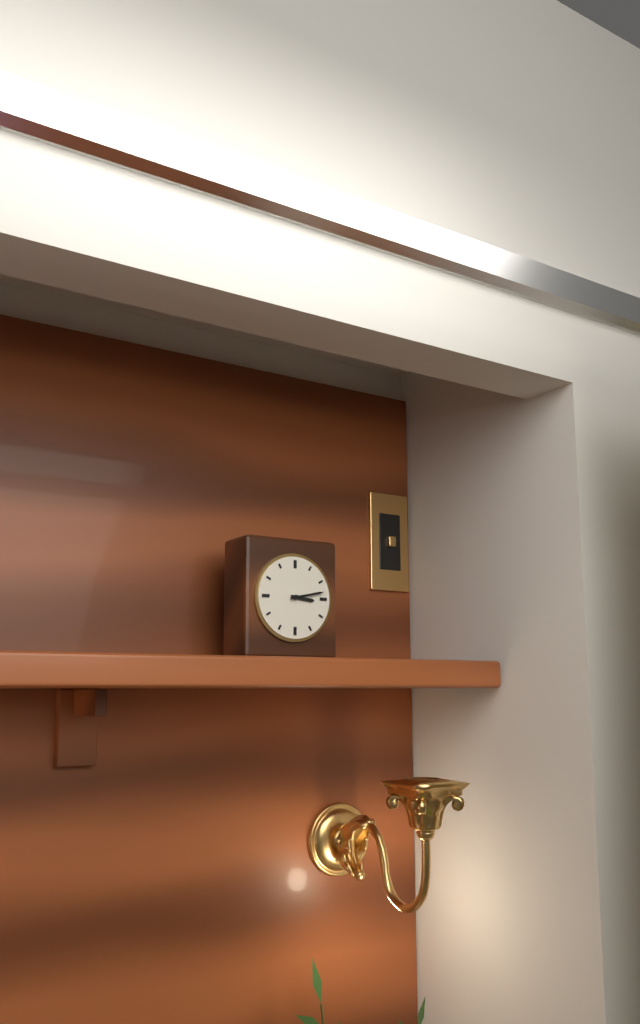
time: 3:13
